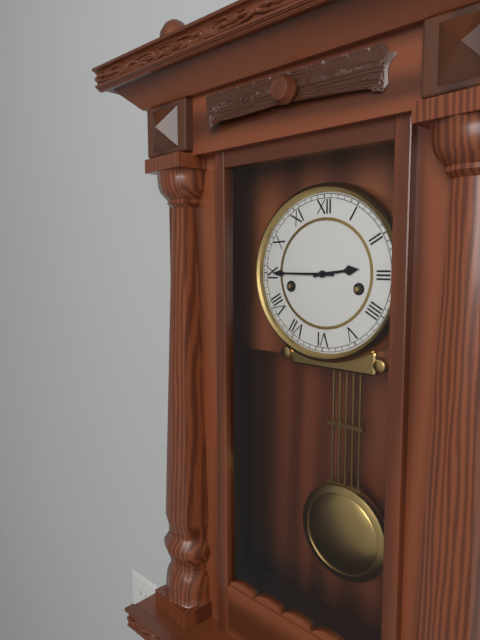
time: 2:45
